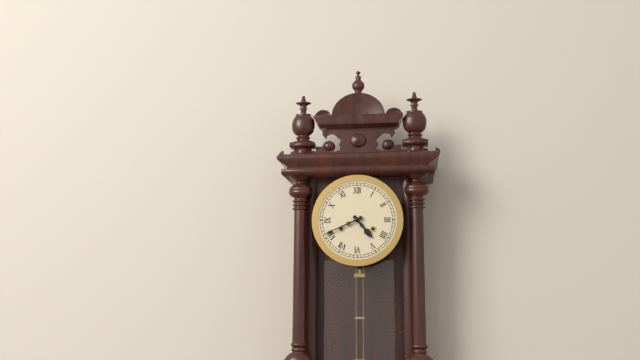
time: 4:41
